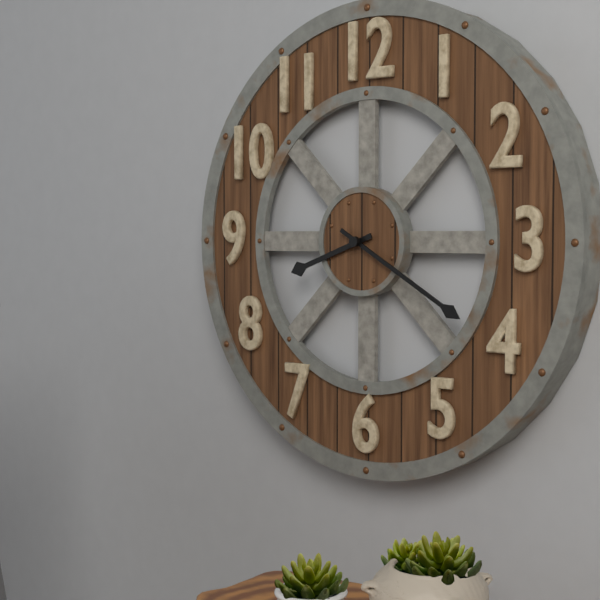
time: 8:20
